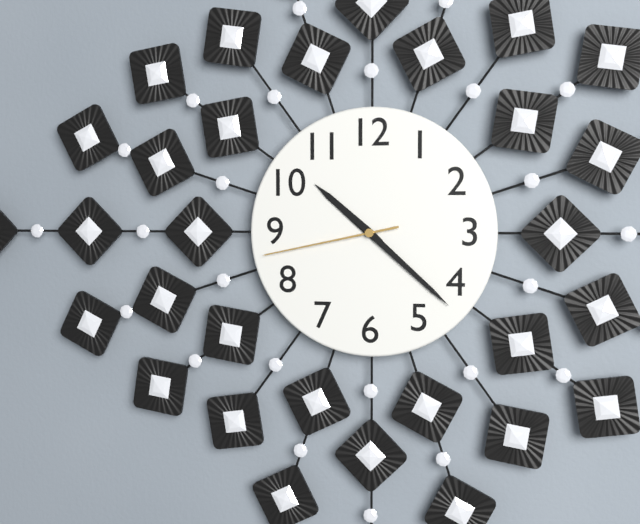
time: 10:22:43
